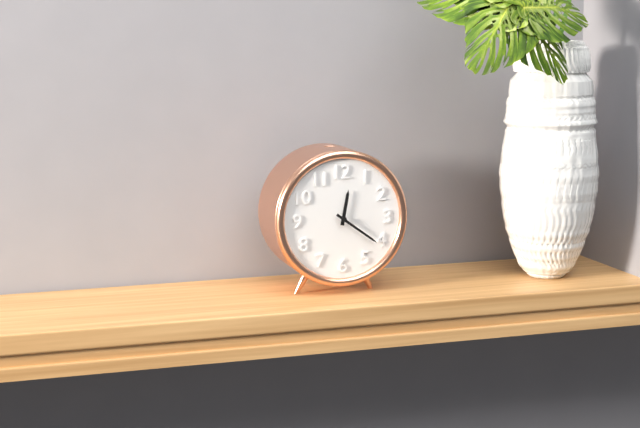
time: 12:21
